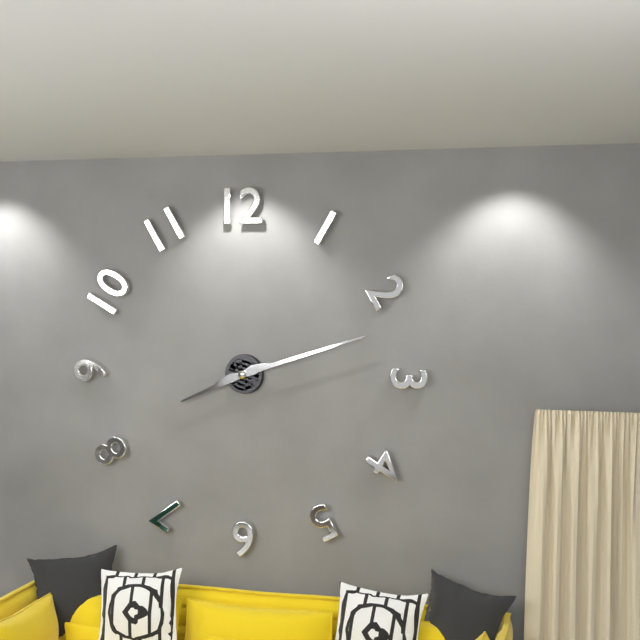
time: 8:12
